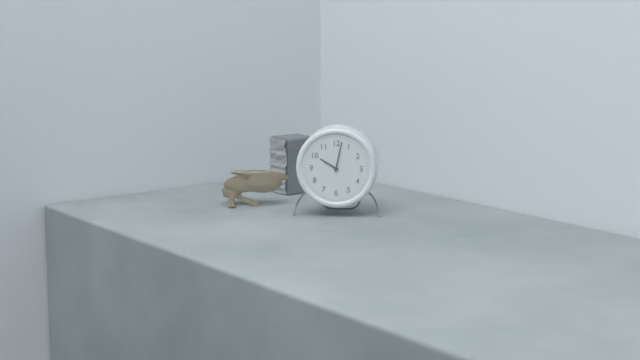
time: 10:02
